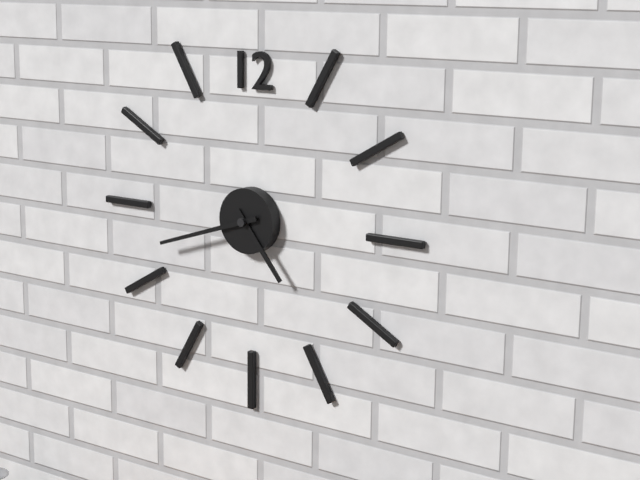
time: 4:42
